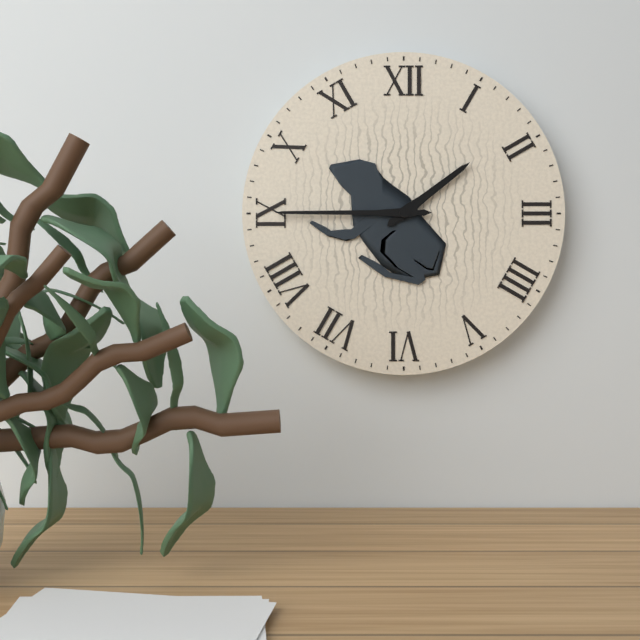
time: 1:45
